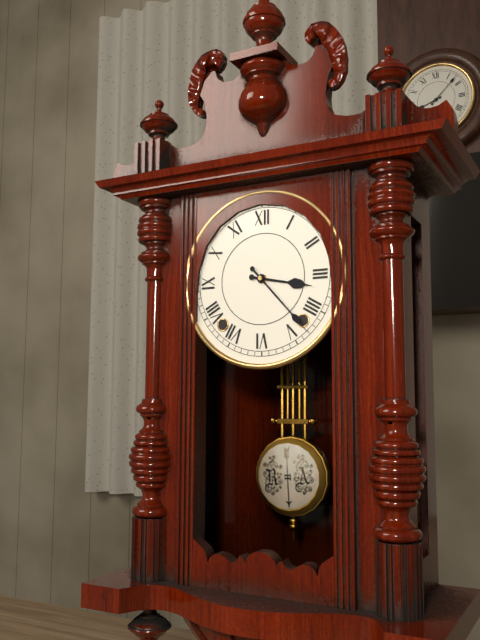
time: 3:23
